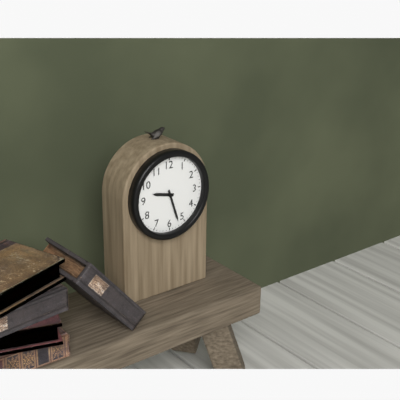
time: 9:27
